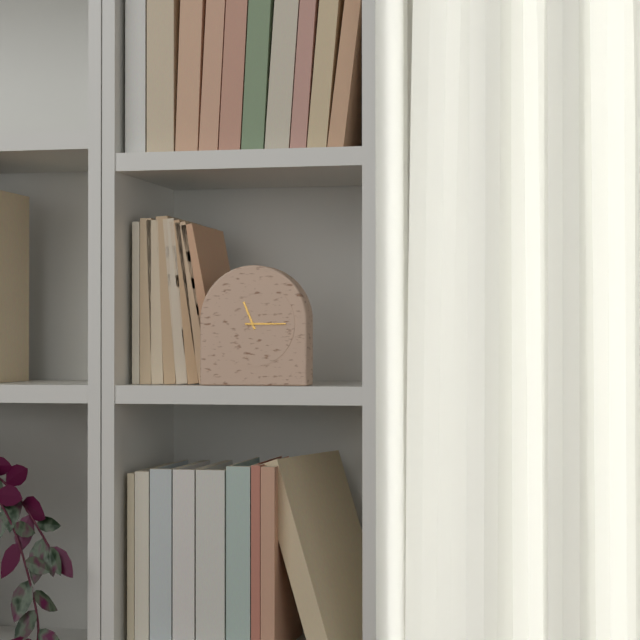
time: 11:15
